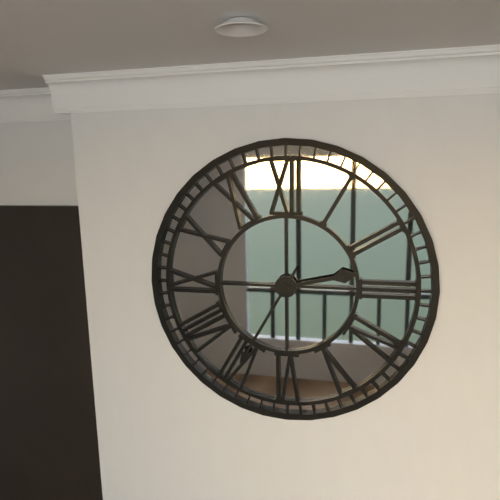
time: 2:35
